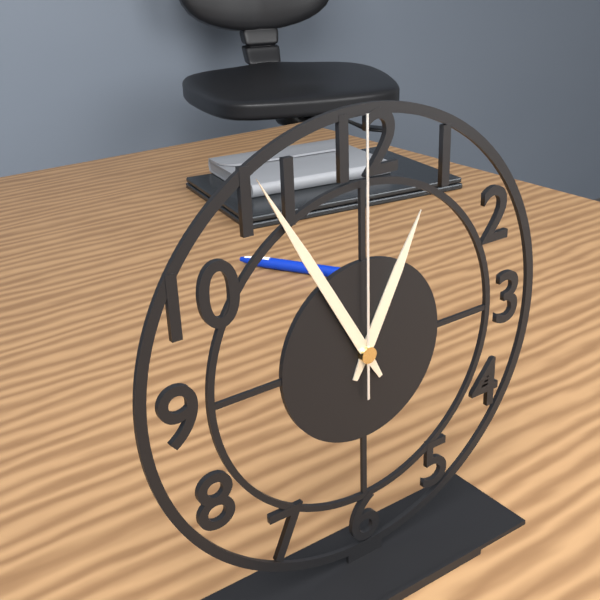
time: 12:55:00
